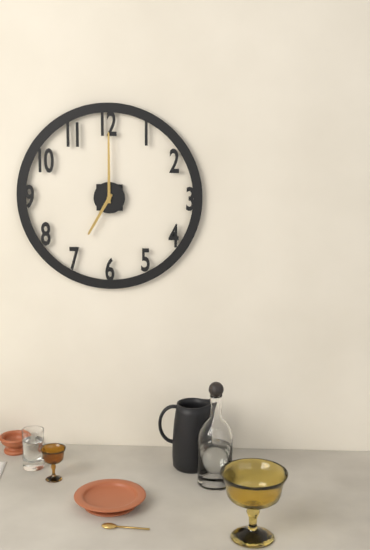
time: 7:00
